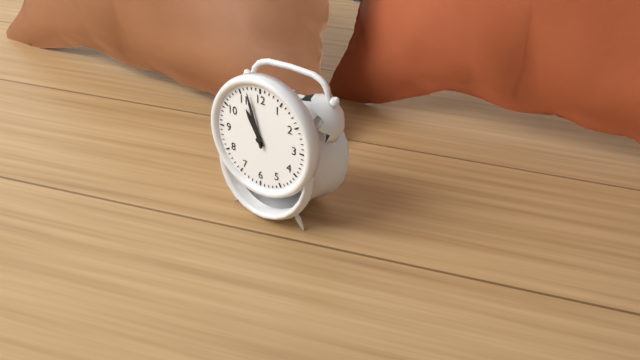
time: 10:57
